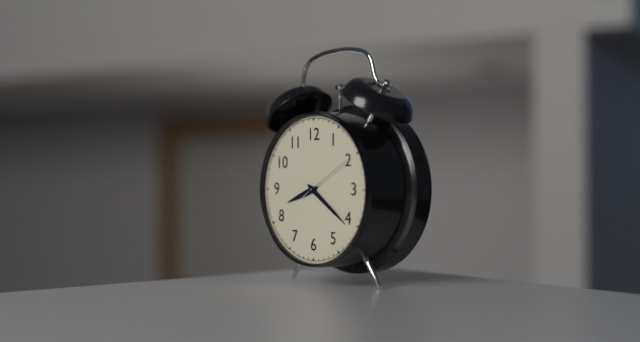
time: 8:21:10
